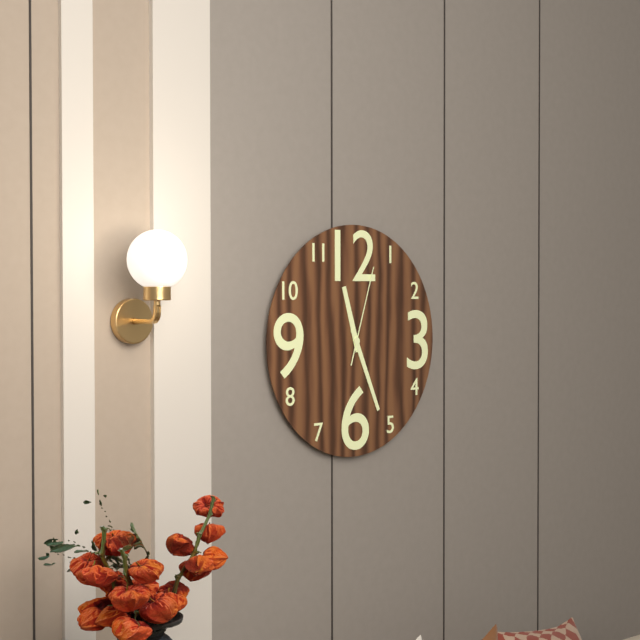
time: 11:26:03
